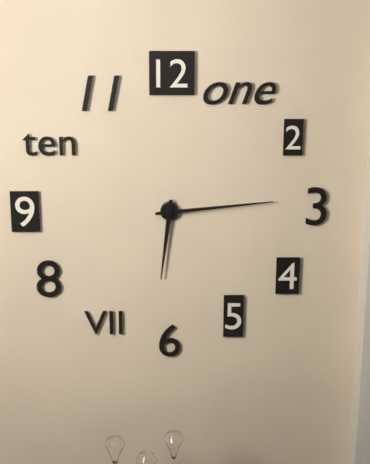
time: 6:14
